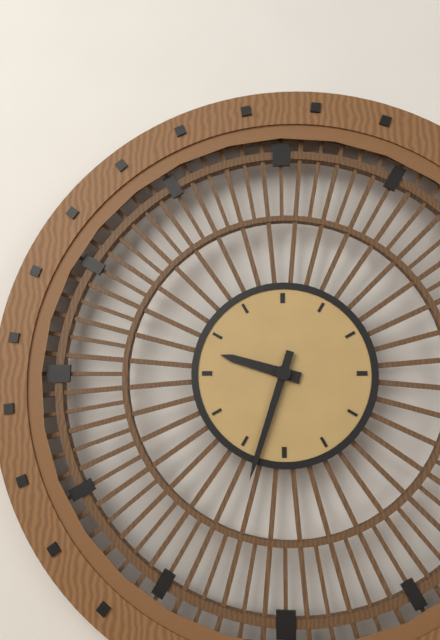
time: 9:33
